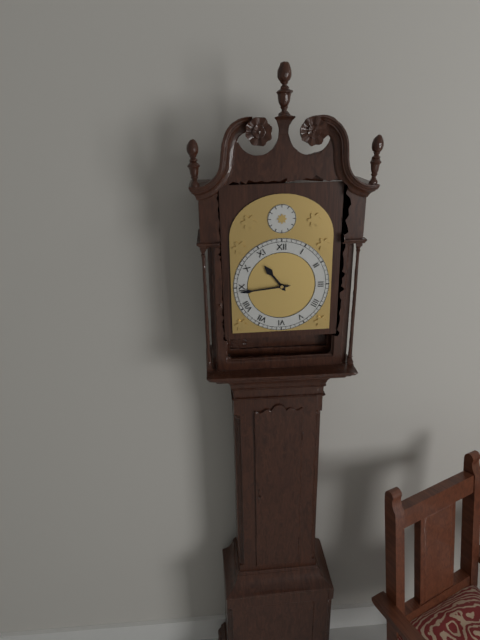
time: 10:44
